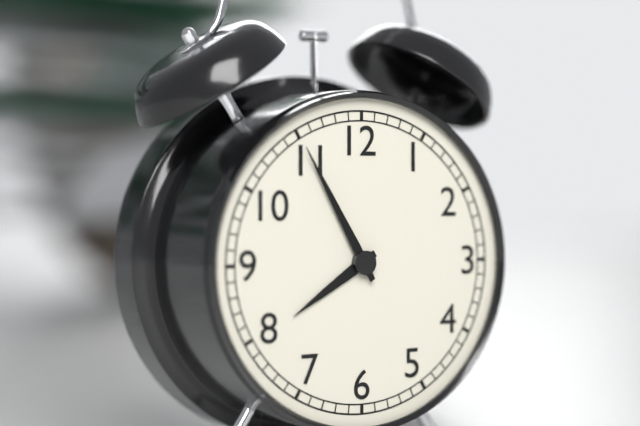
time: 7:55
